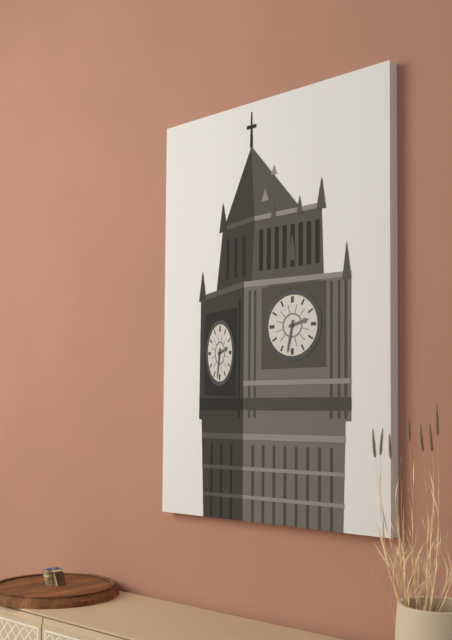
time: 2:32
